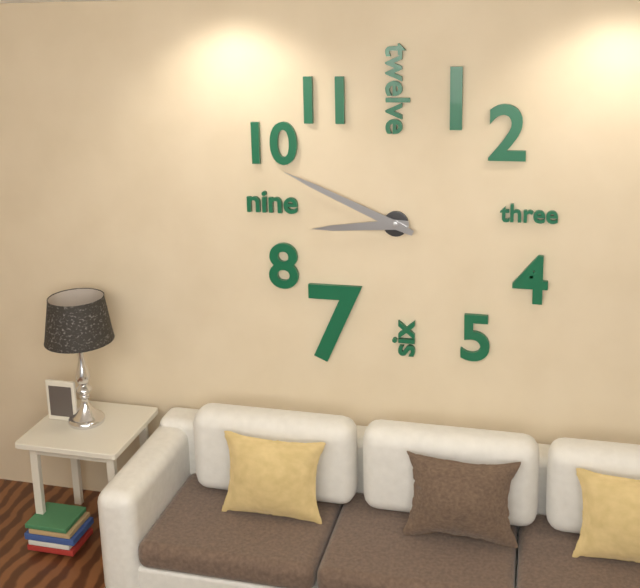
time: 8:49
